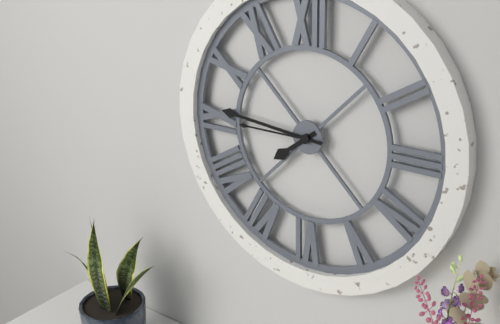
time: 7:46:45
